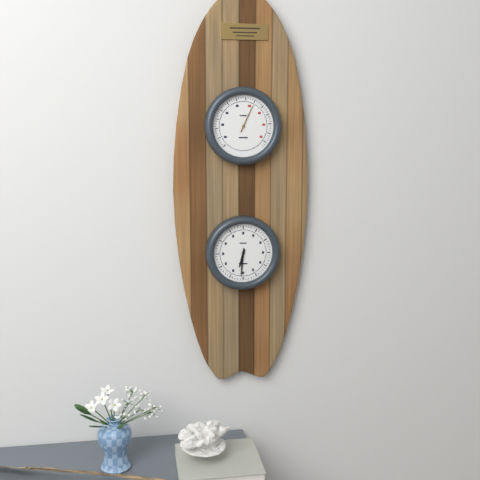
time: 6:31
